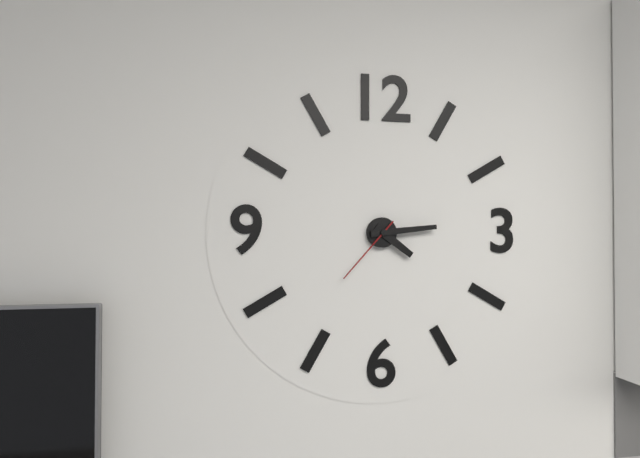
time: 4:14:37
